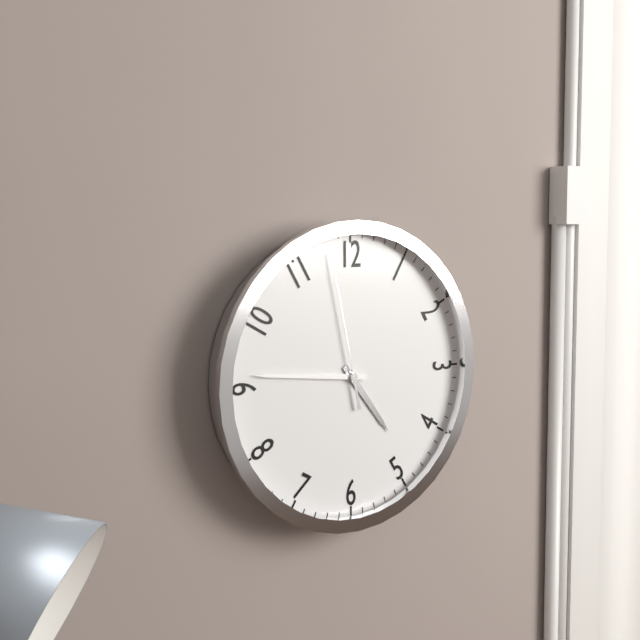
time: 4:46:58
